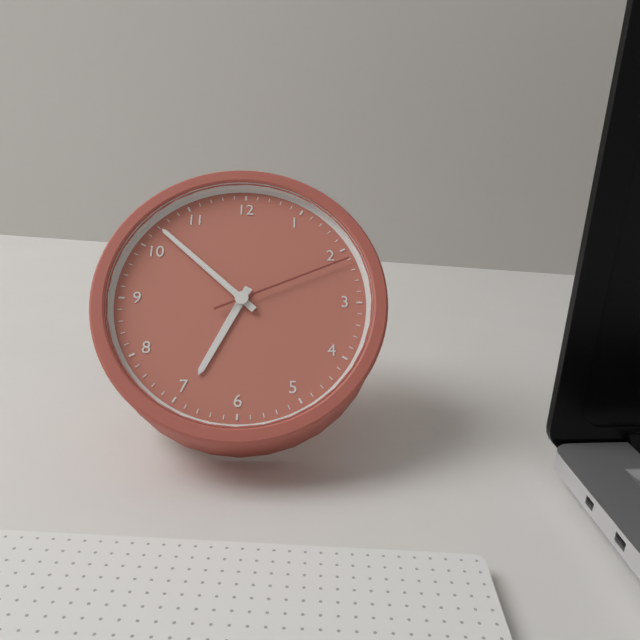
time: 6:52:11
